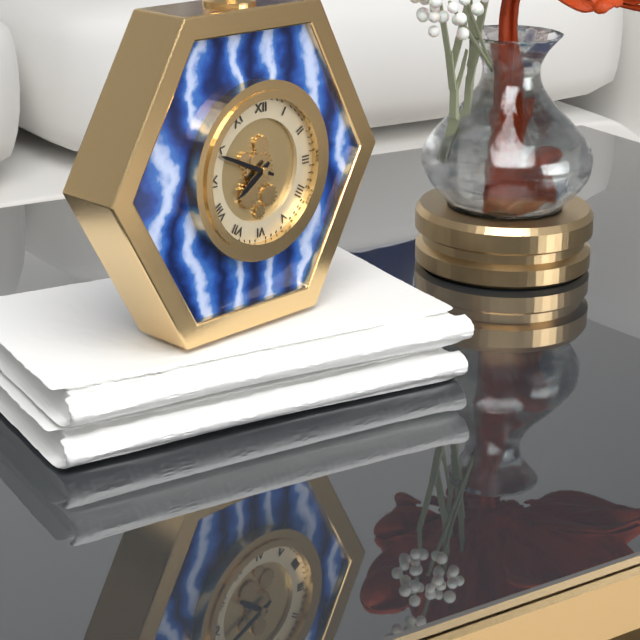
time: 7:49
